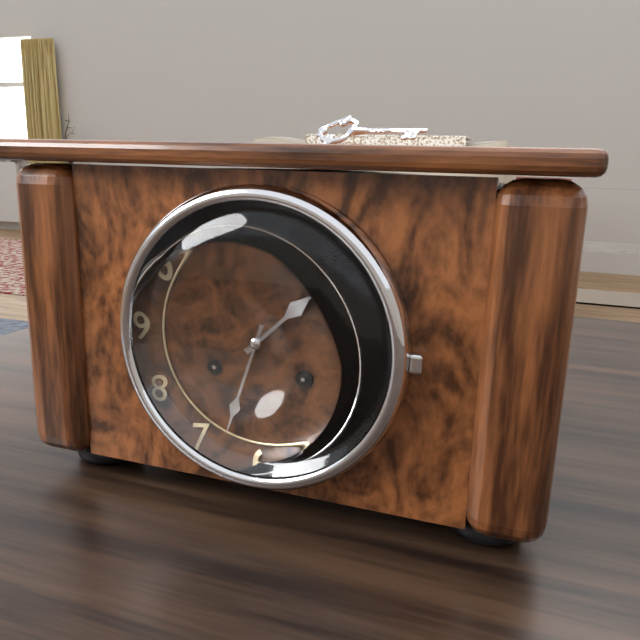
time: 1:33
